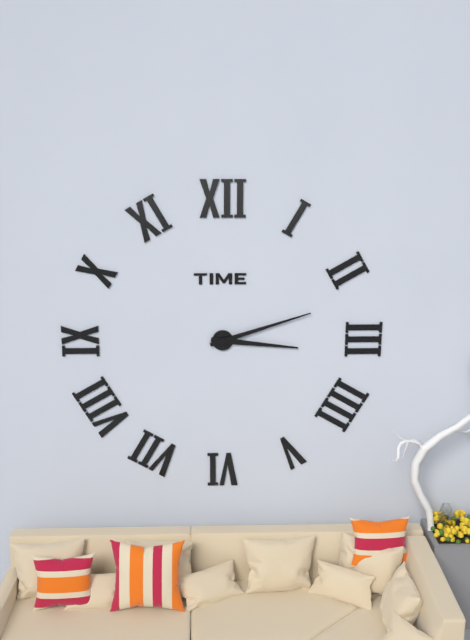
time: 3:12
